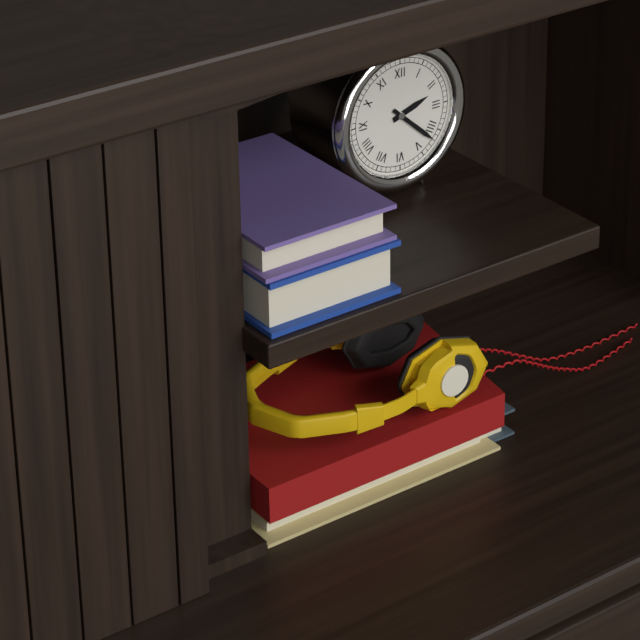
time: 2:22
